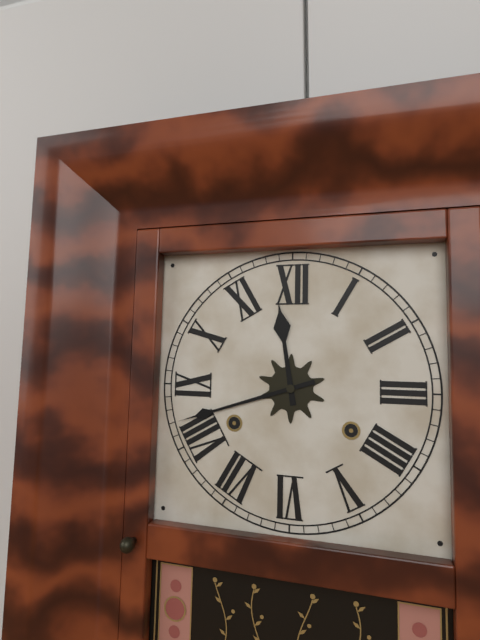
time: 11:42
